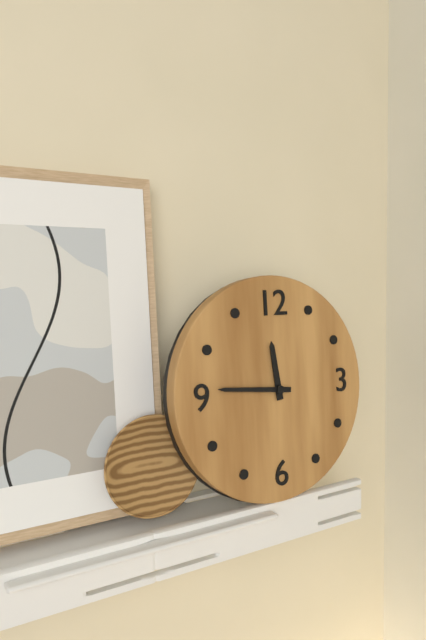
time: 11:46
